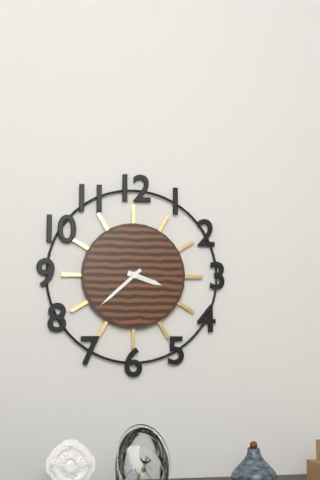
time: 3:38
